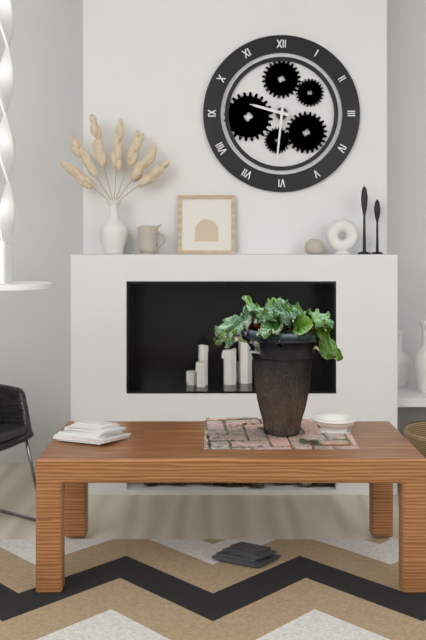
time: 9:31
